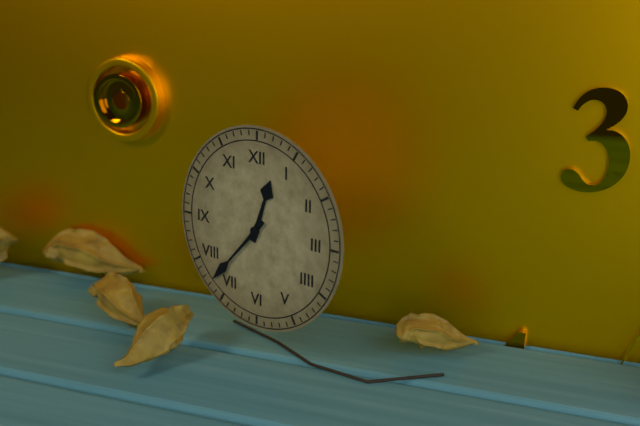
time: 12:37
